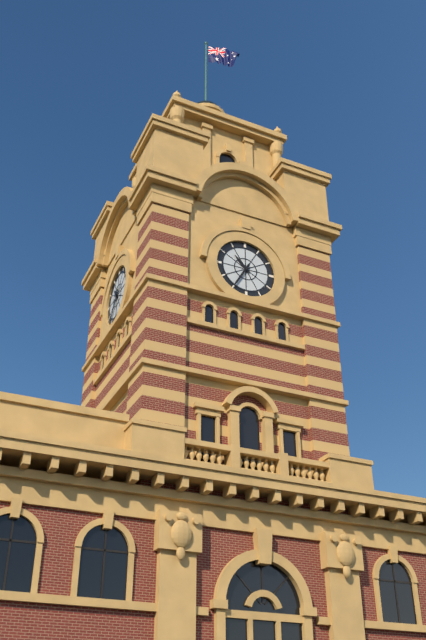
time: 10:35
